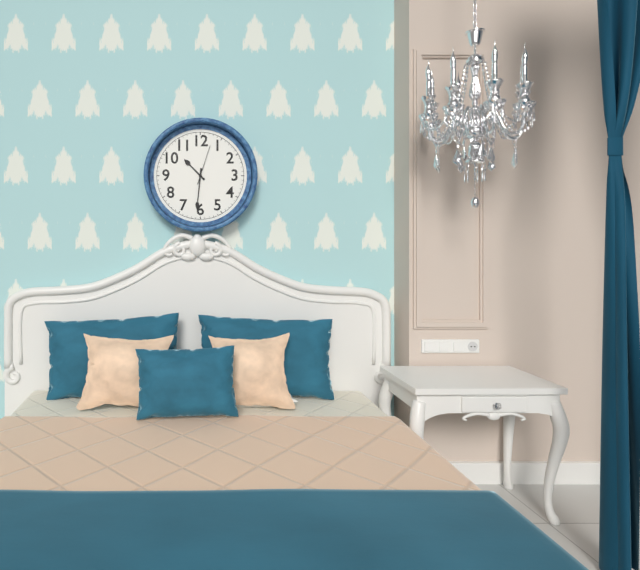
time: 10:31
